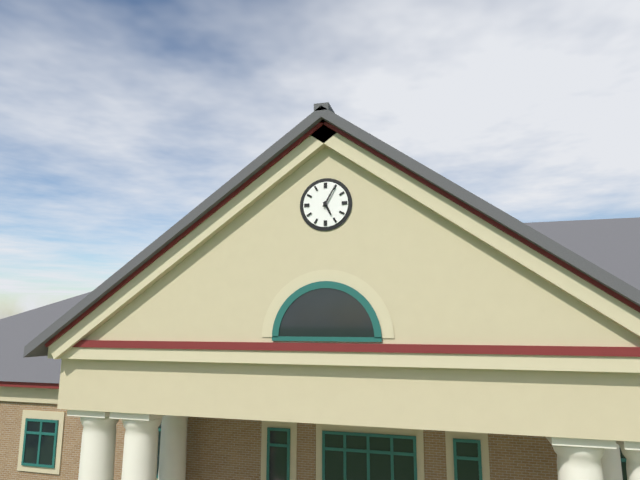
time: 5:05
